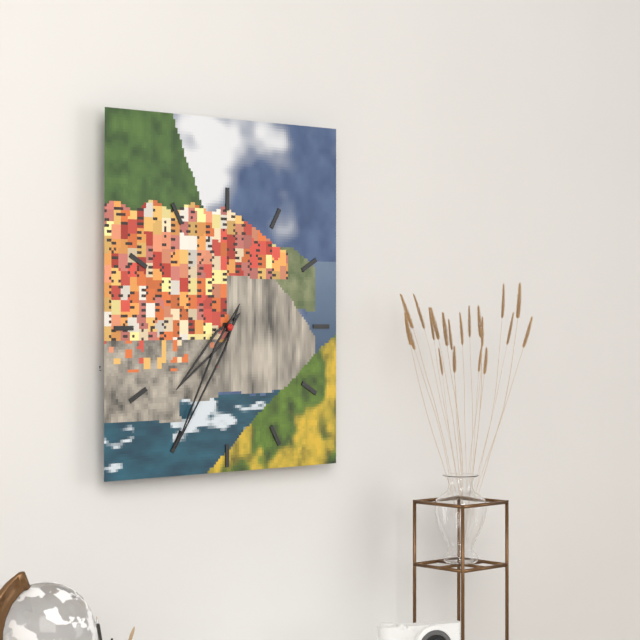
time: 7:35
